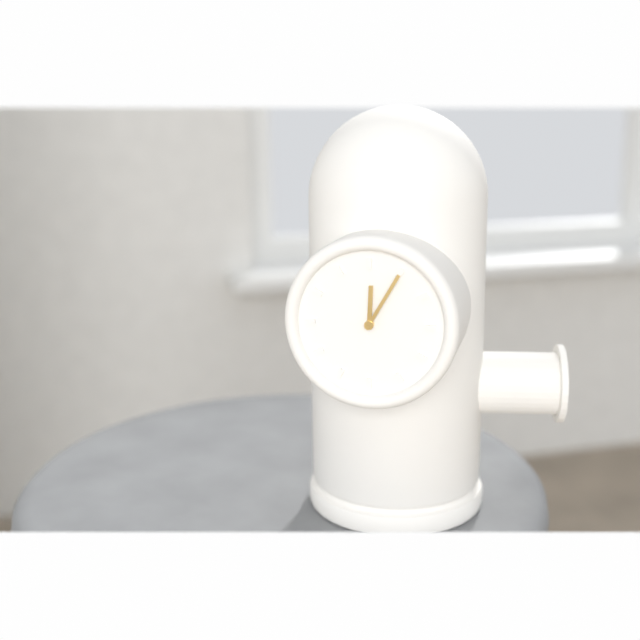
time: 12:05
